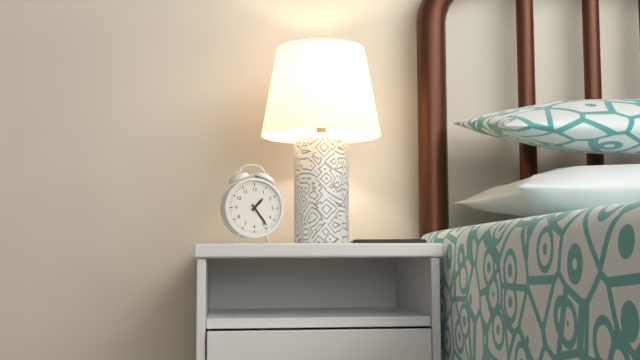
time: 1:24
